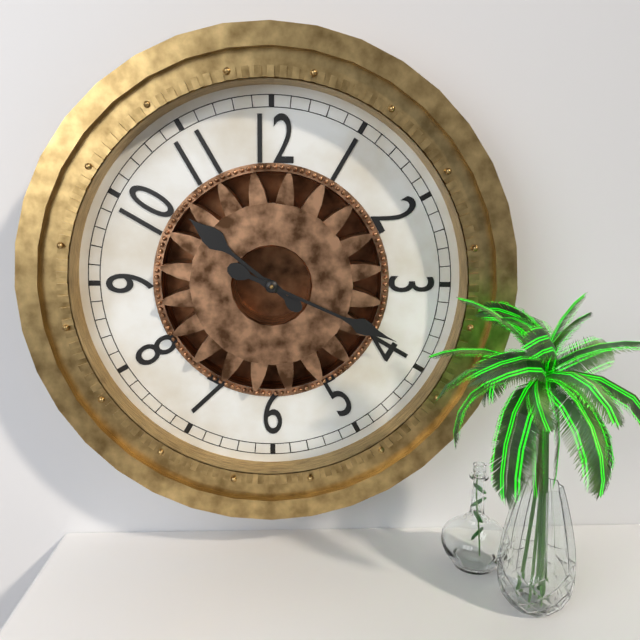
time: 10:19
